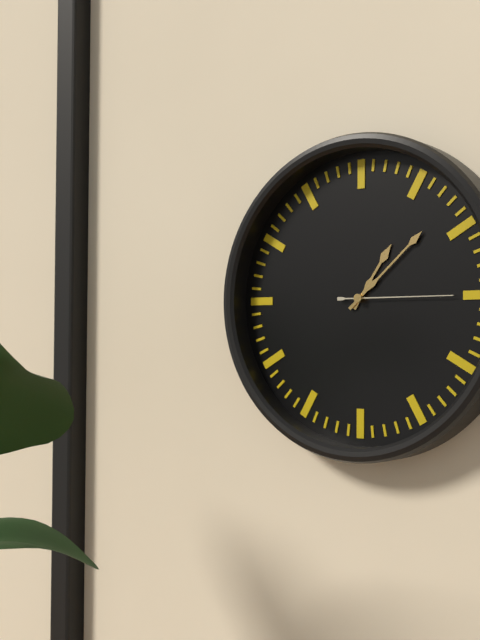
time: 1:08:15
